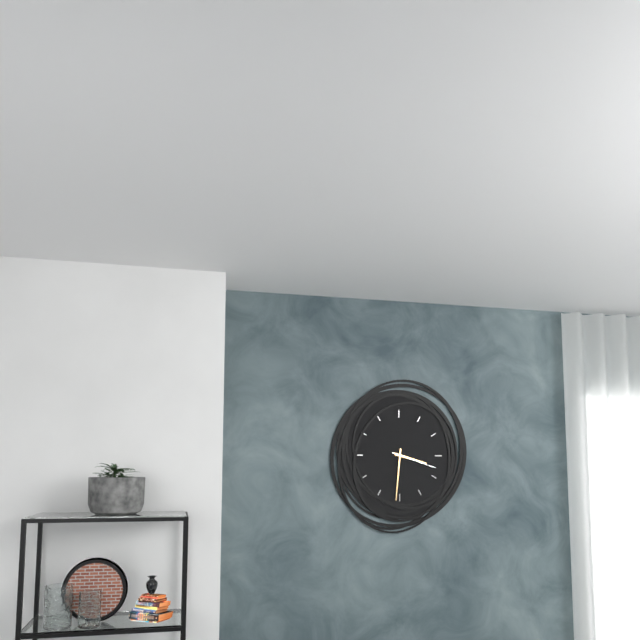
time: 3:31
